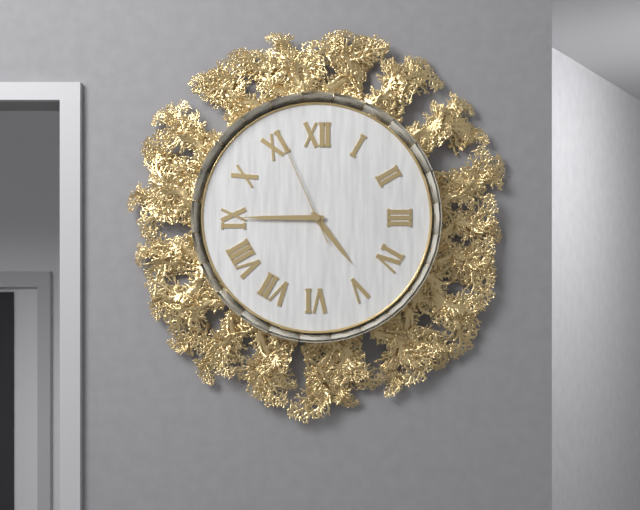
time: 4:45:56
